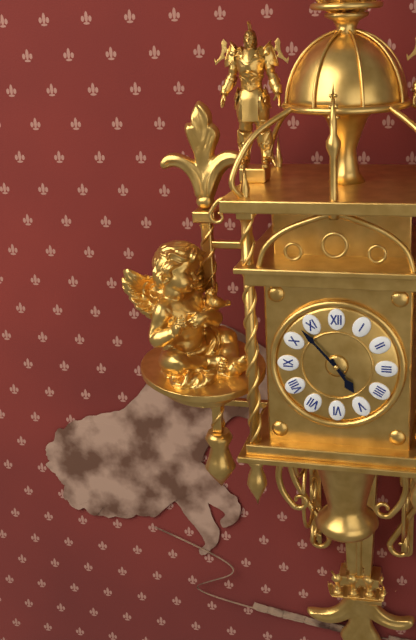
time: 4:53
